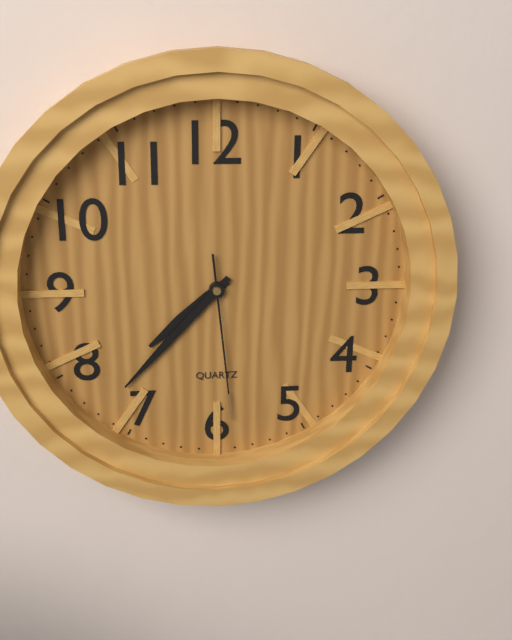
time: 7:37:29
